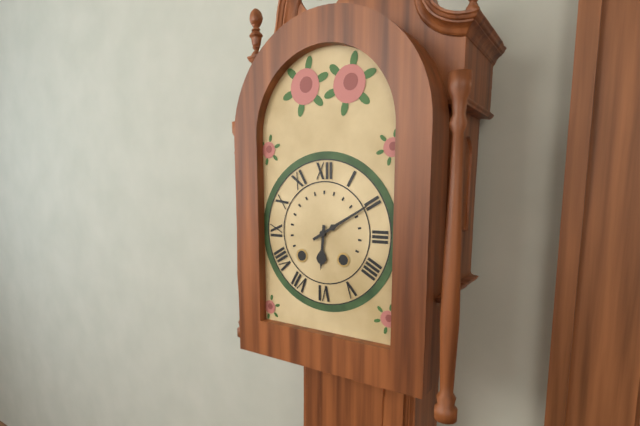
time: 6:10
